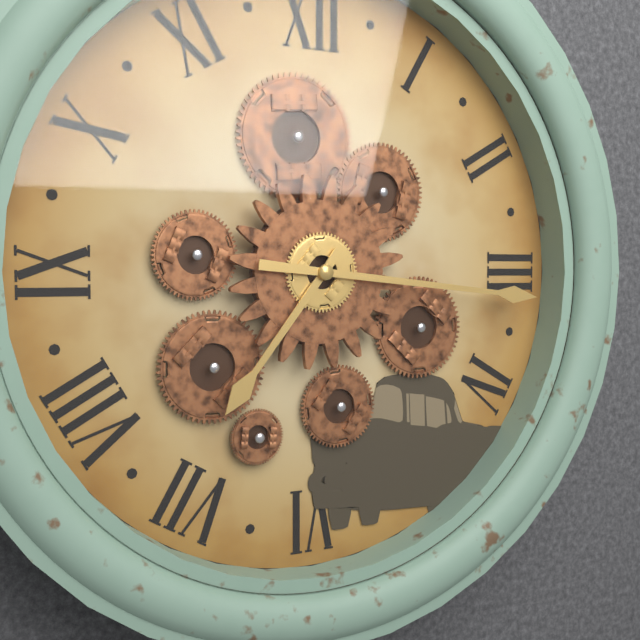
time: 7:16
